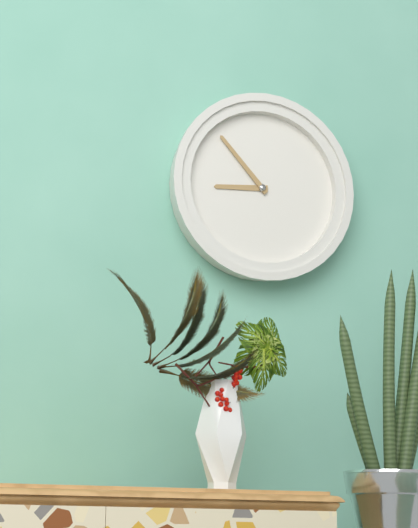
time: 8:53
